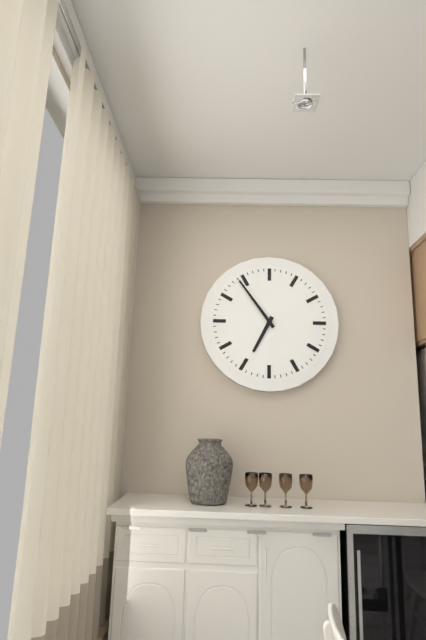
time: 6:54
